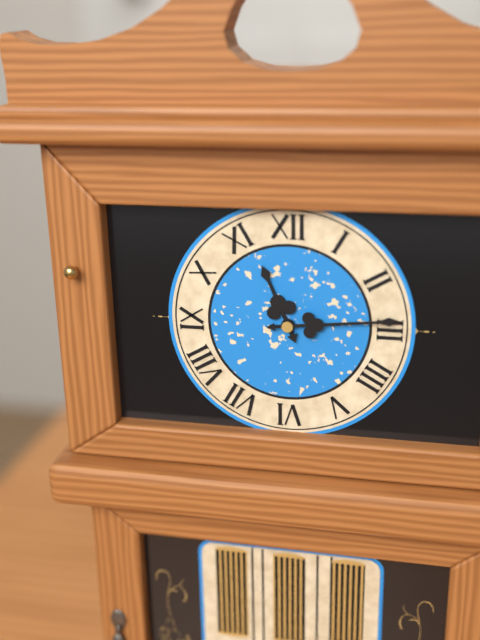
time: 11:14
